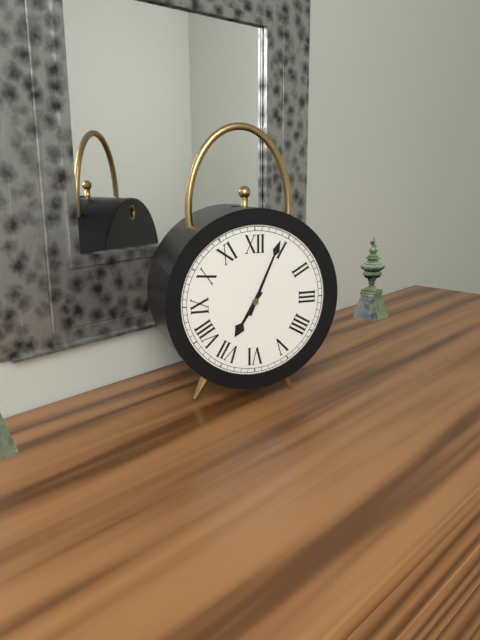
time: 7:04
